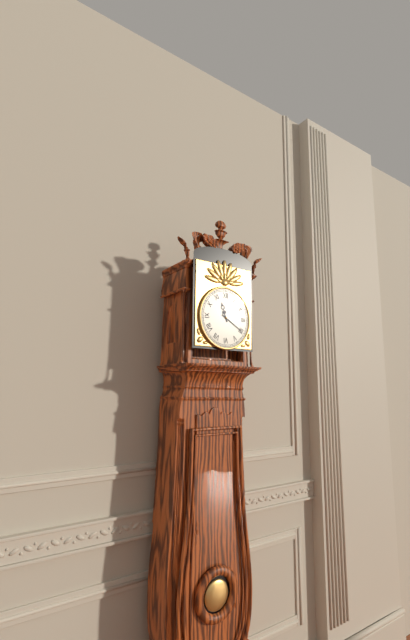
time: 11:20
